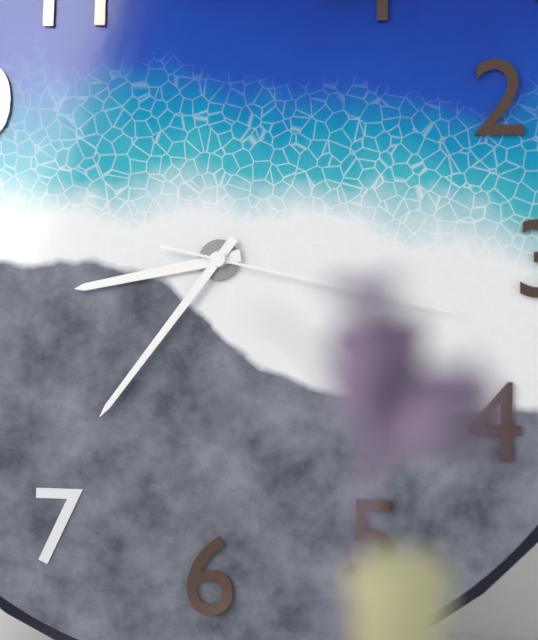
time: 8:36:17
